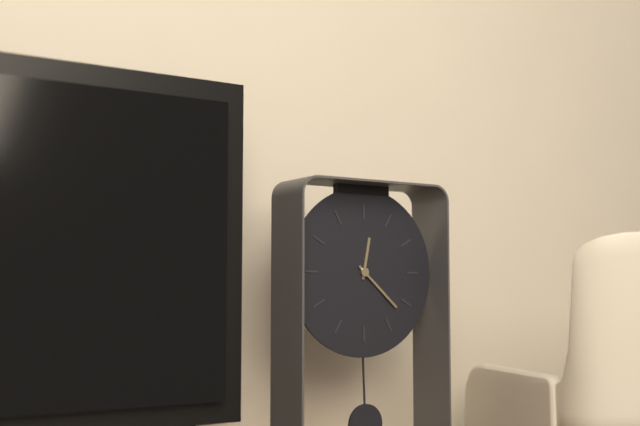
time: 12:22
